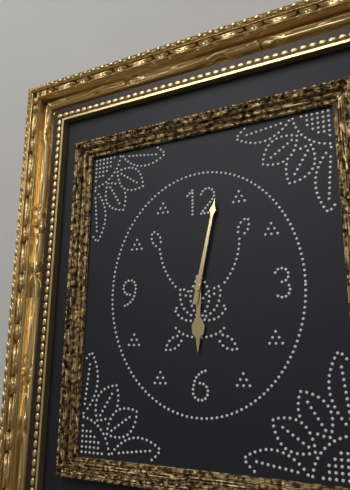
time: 6:02
